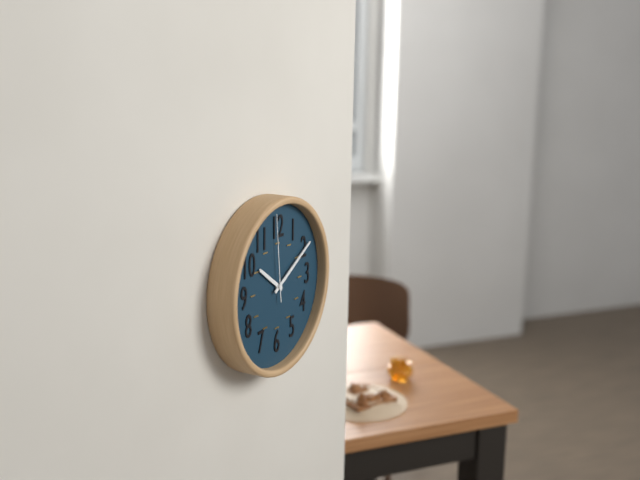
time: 10:10:59
